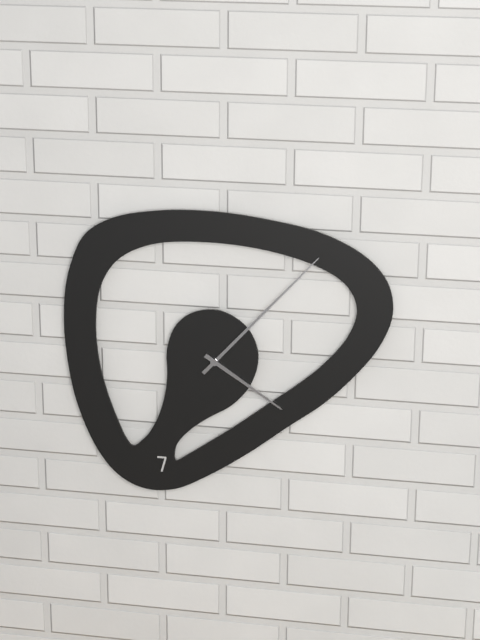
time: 4:07
